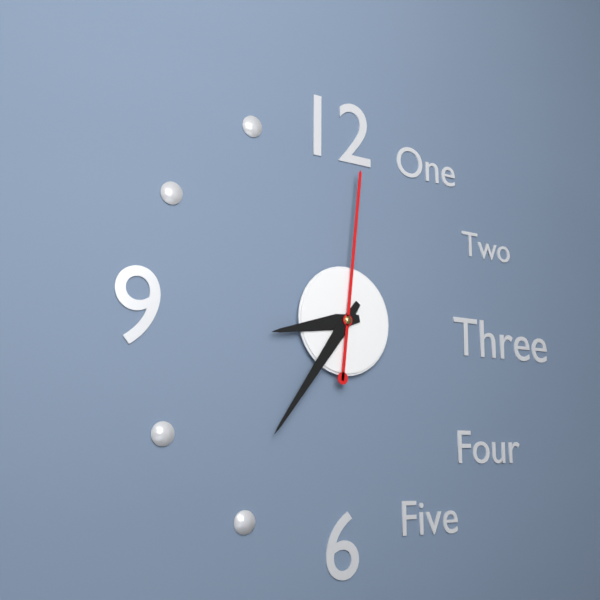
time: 8:36:01
